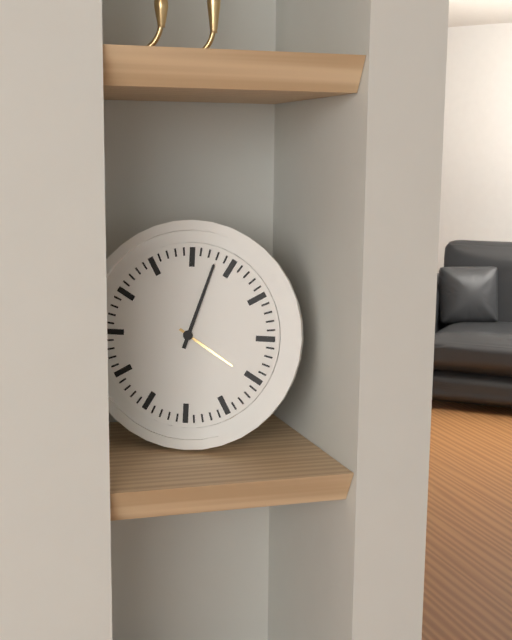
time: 4:03
